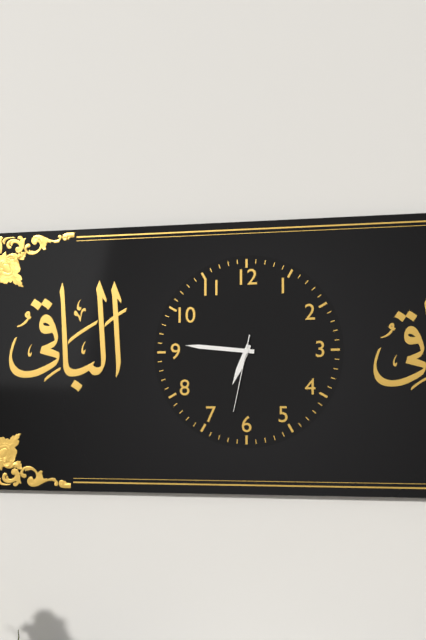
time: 6:46:32
